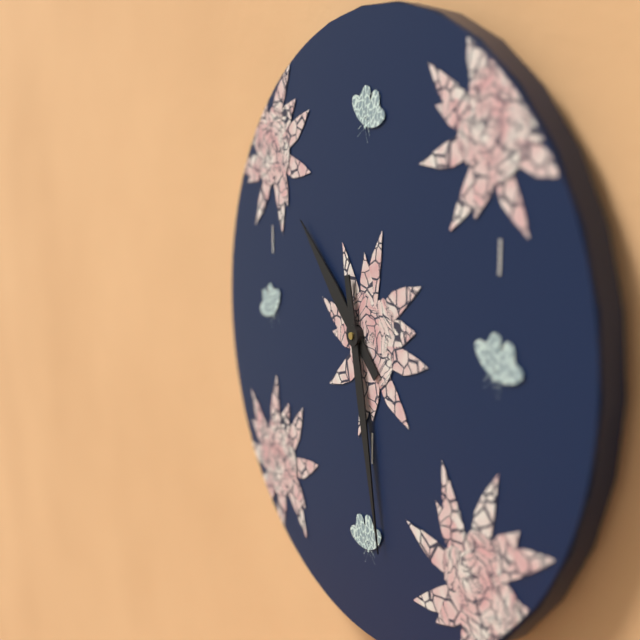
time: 10:28
